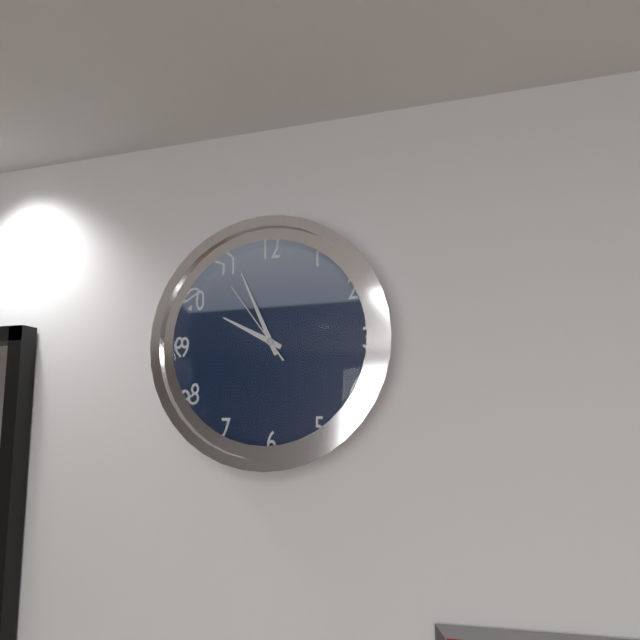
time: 9:56:54
